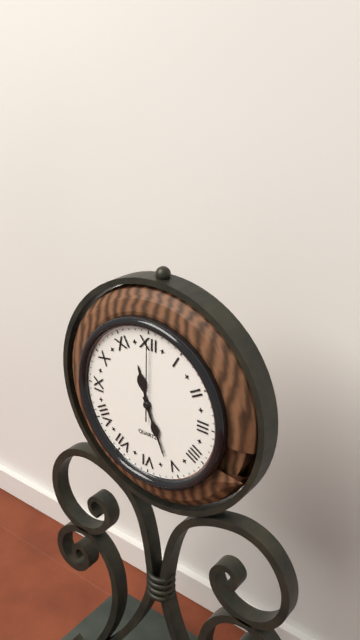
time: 11:26:00
